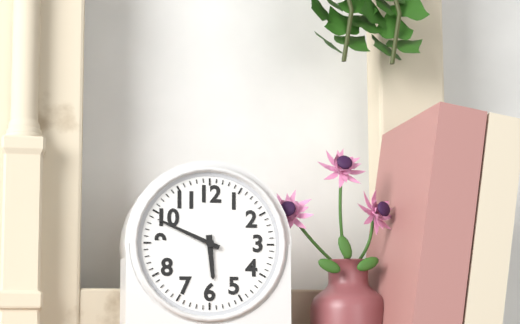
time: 5:49
